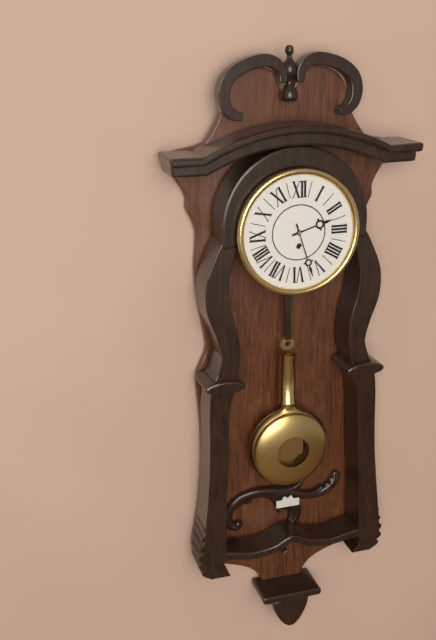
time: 2:27
